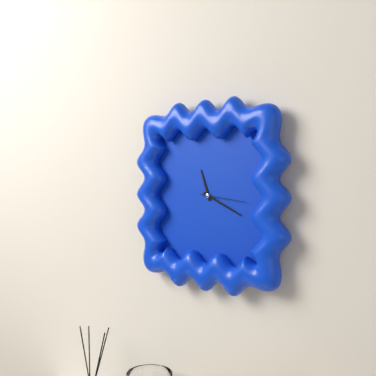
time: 11:19
